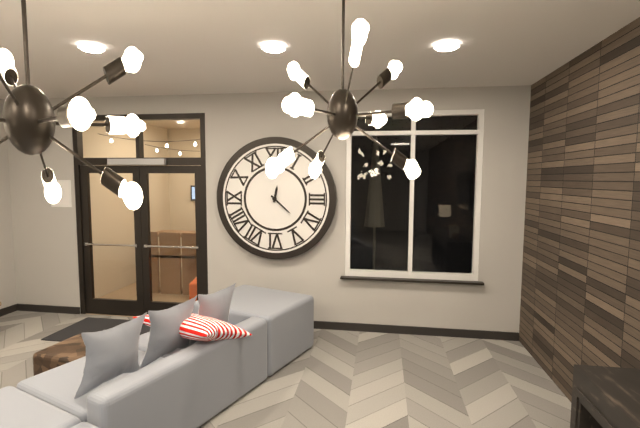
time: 12:22
